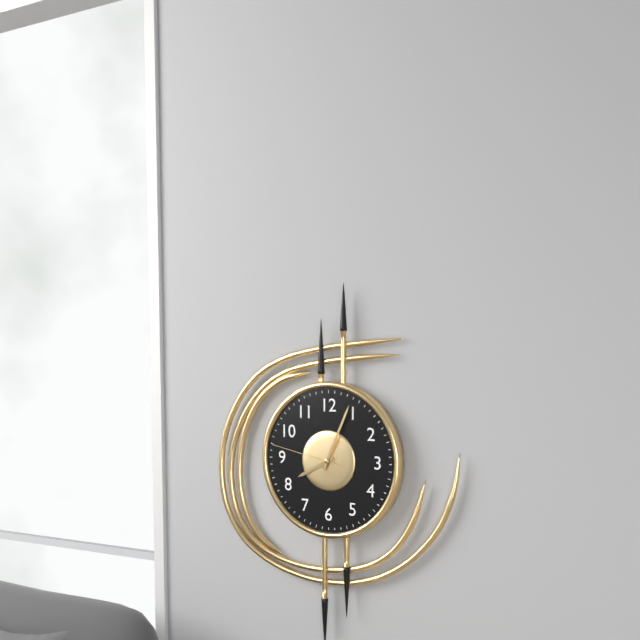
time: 8:04:47
